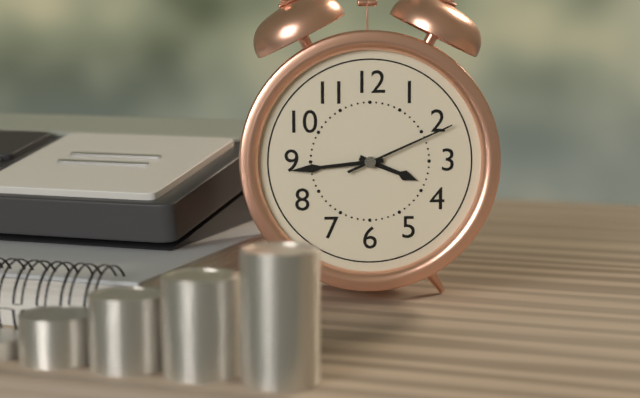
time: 3:44:11
